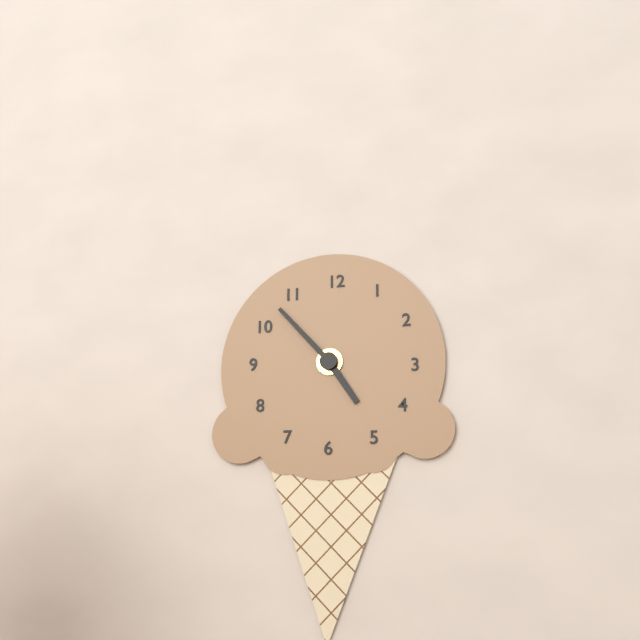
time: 4:53
